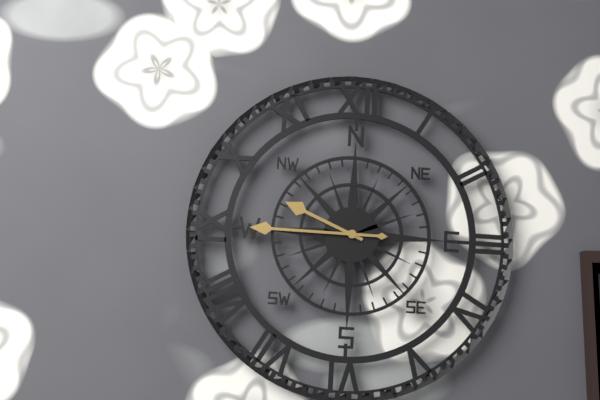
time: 9:45
